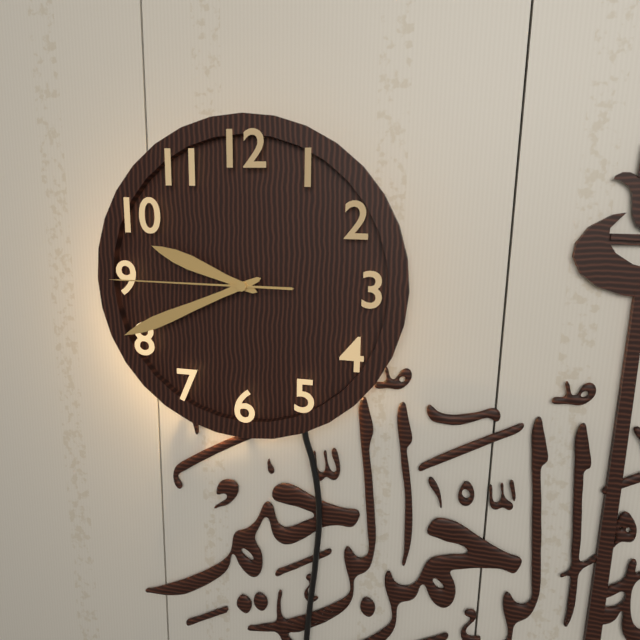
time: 9:41:45
